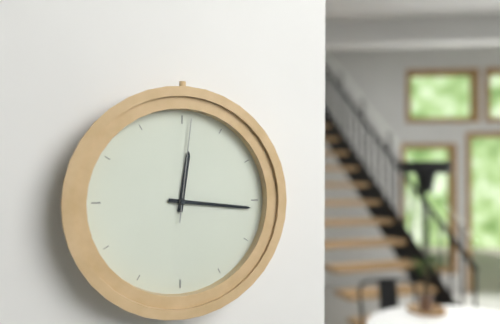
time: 12:16:01
